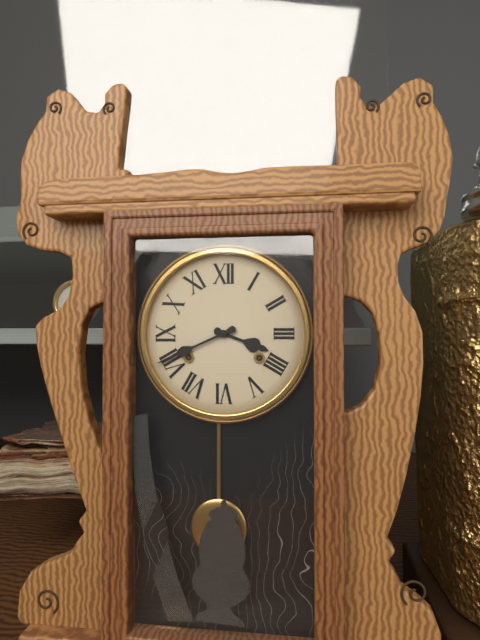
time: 3:41
